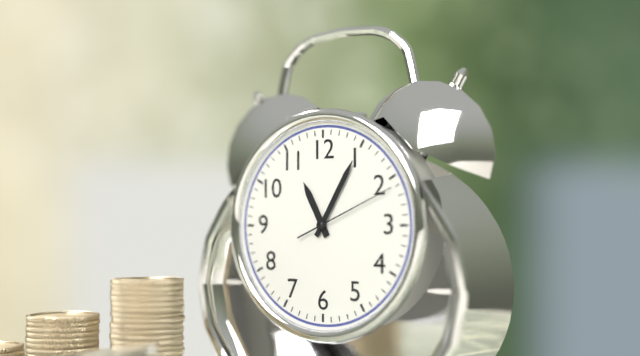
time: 11:05:11
